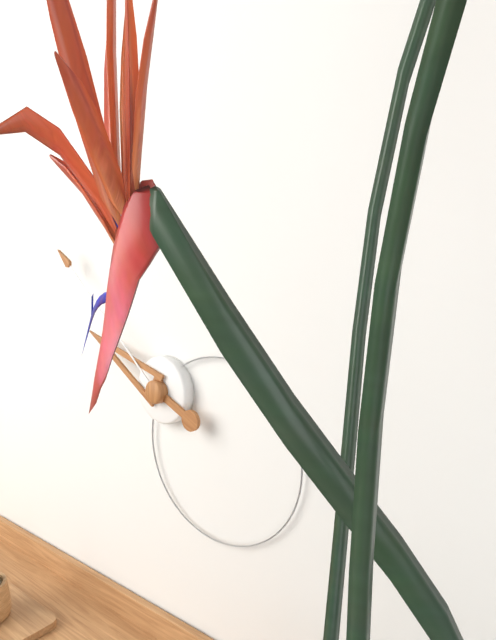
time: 9:52
